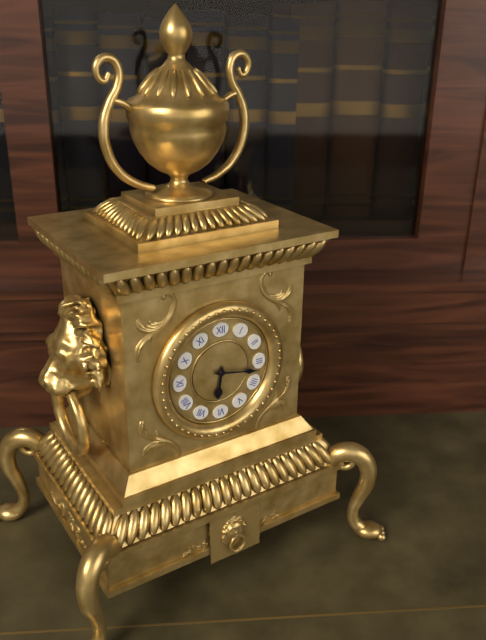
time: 6:17
